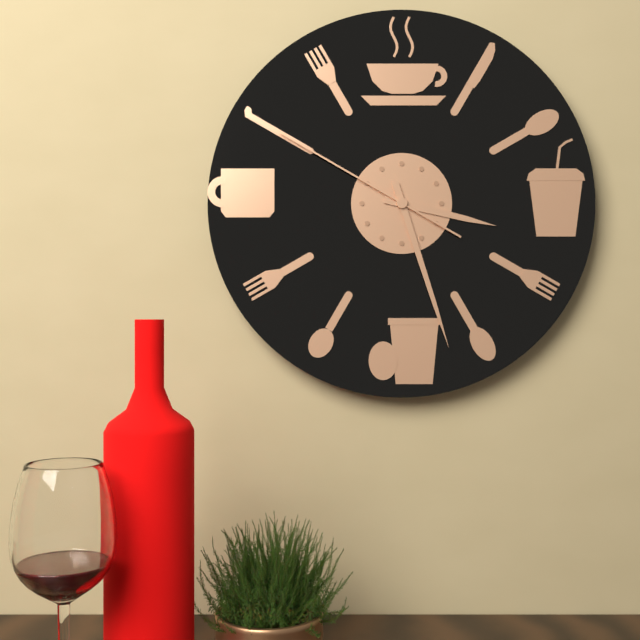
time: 3:27:50
